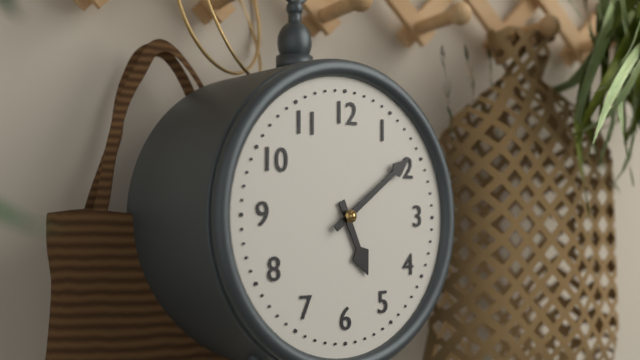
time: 5:09
